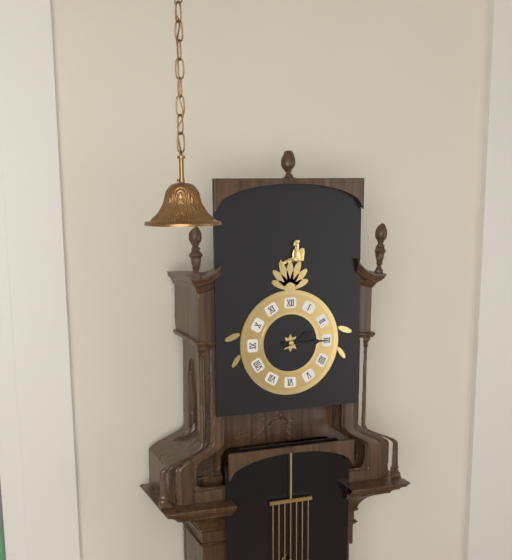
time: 2:15
